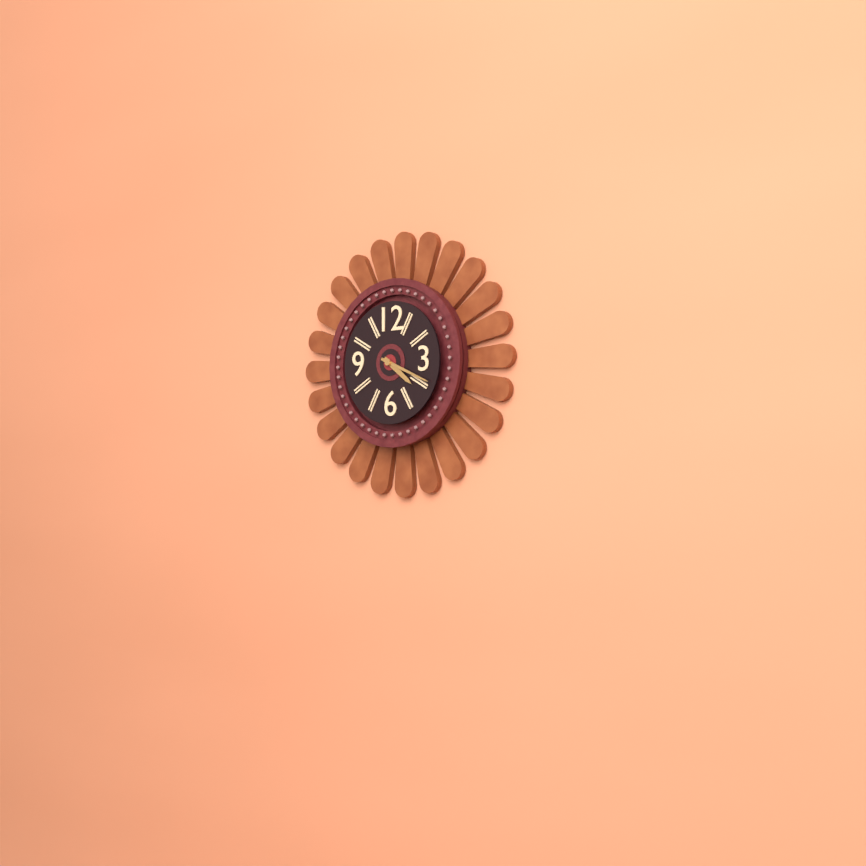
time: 4:19
